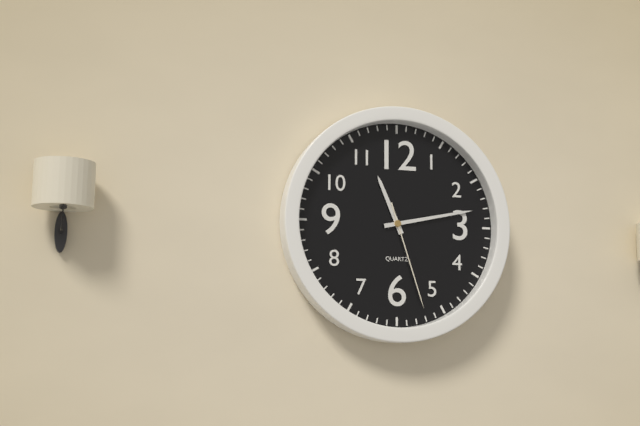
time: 11:13:27
